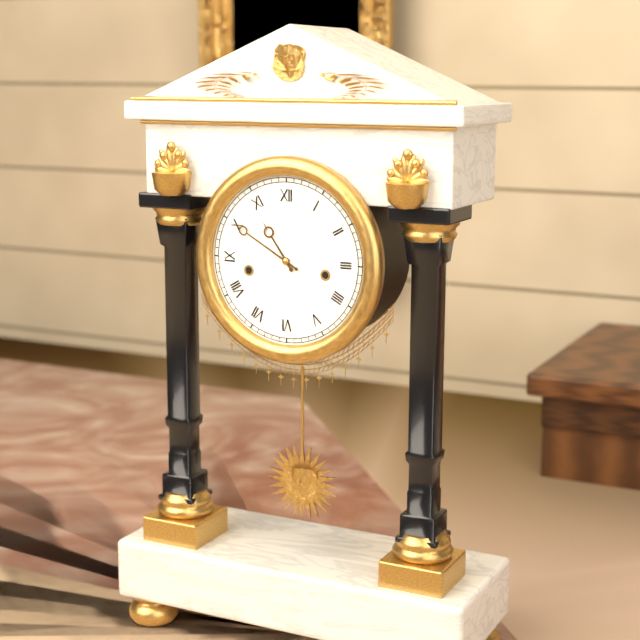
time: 10:50
